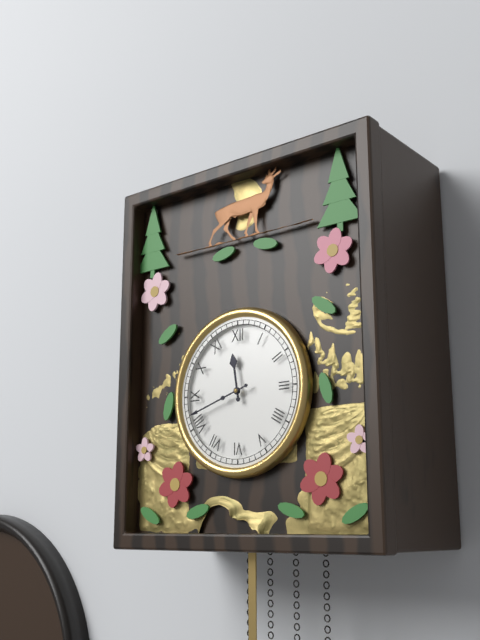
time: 11:42
